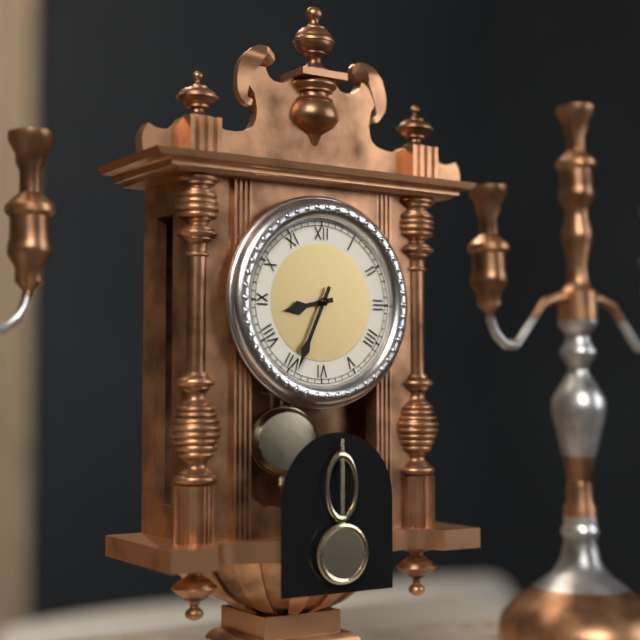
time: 8:34
